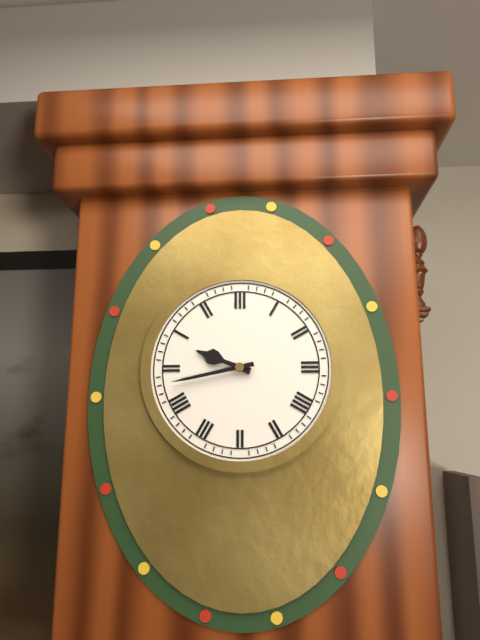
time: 9:43
